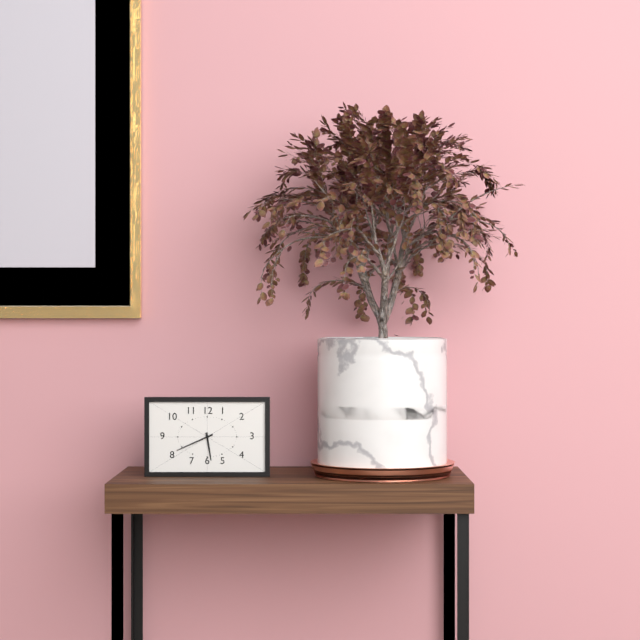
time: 5:41
